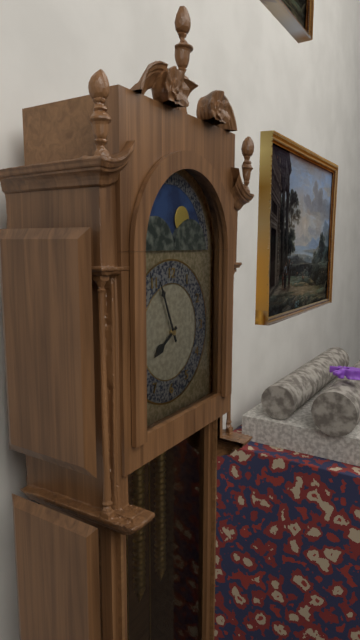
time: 7:56
